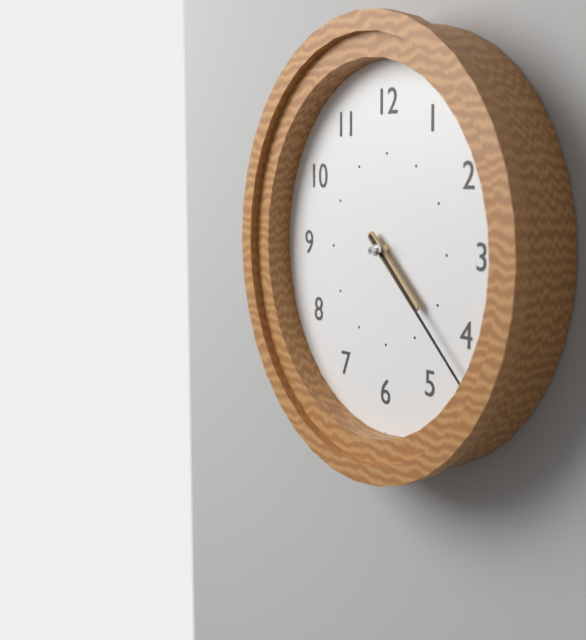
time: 4:22
